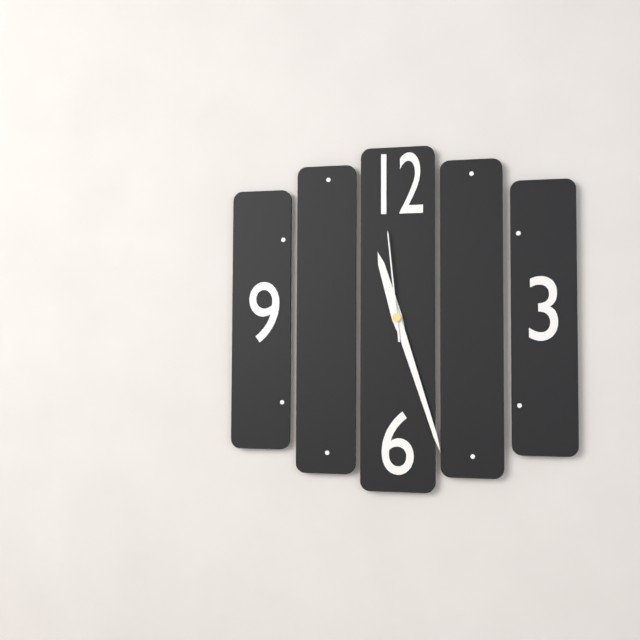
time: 11:27:59
